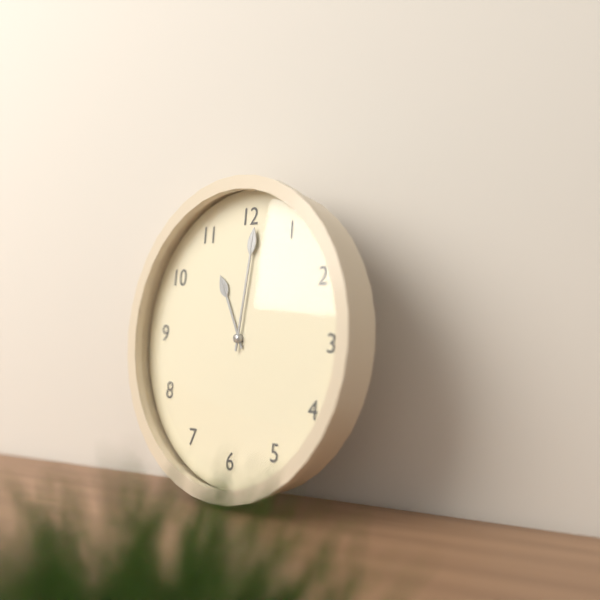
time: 11:01
